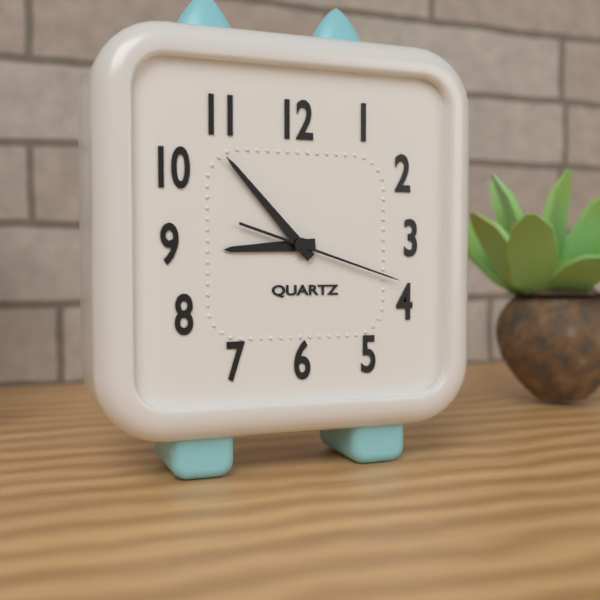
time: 8:53:18
